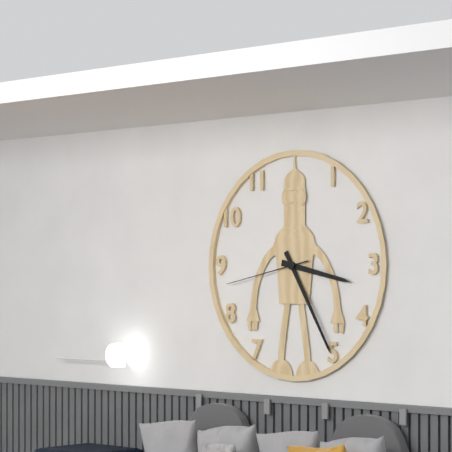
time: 3:25:43
